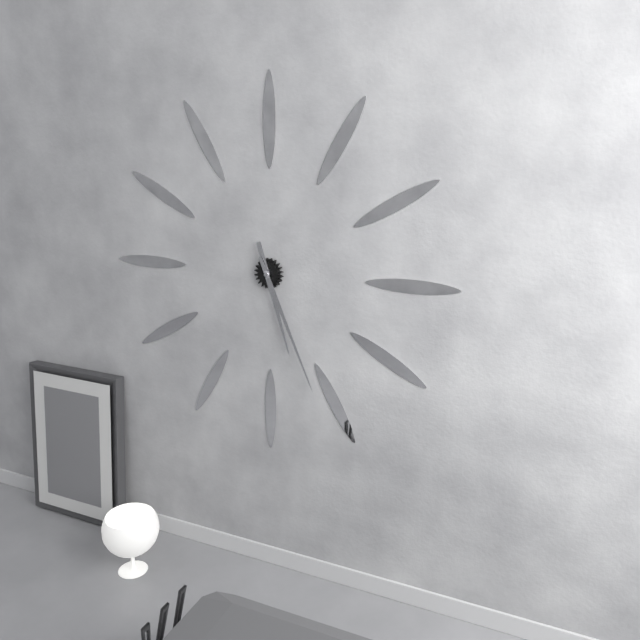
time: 5:26
